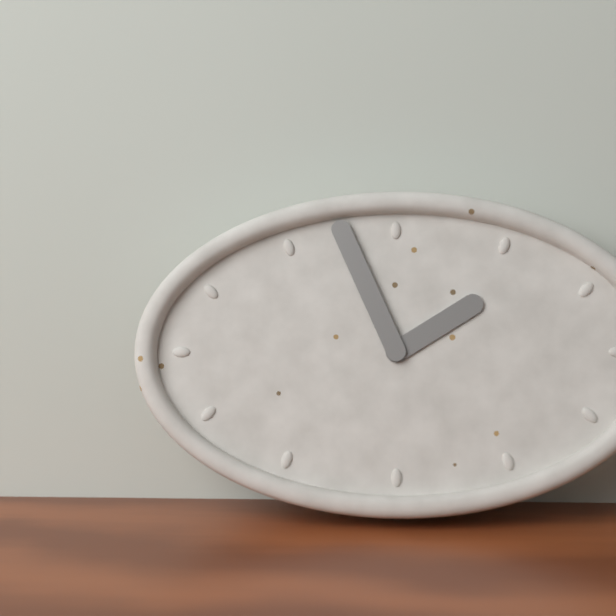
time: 1:56
